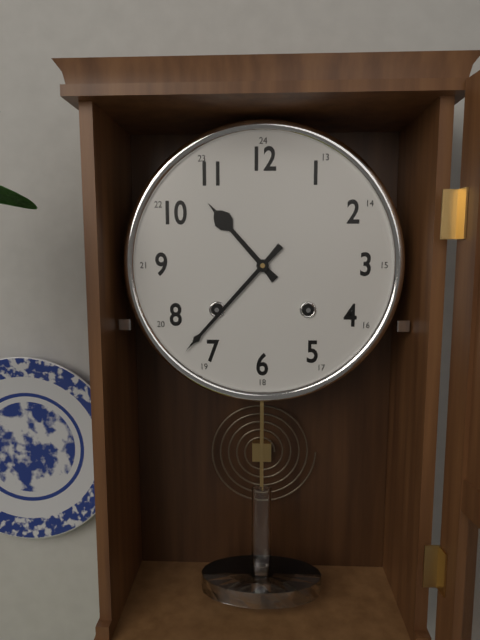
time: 10:37
